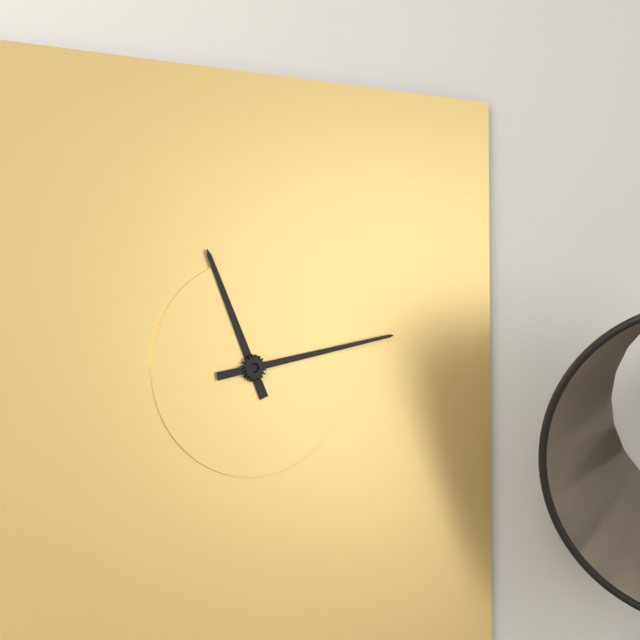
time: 11:13
